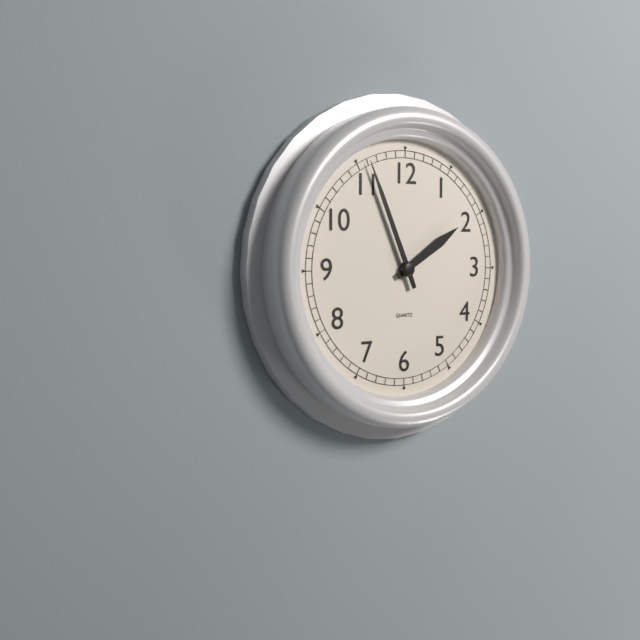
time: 1:56
